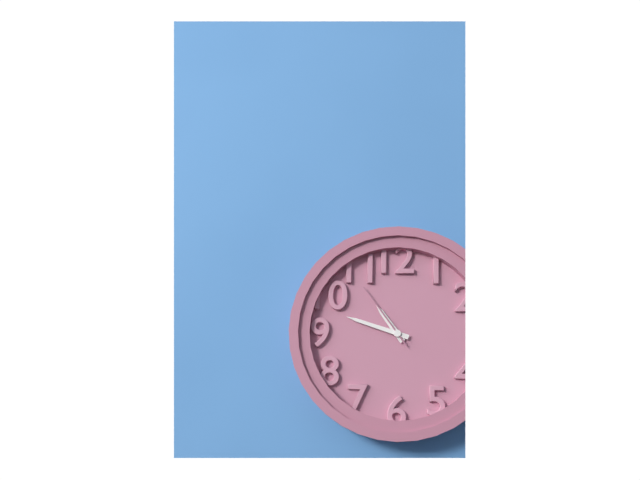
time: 10:48:54
